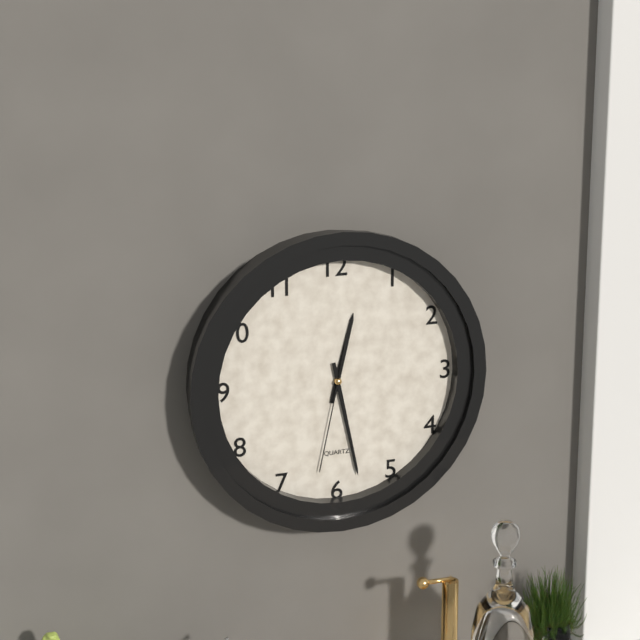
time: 12:28:32
